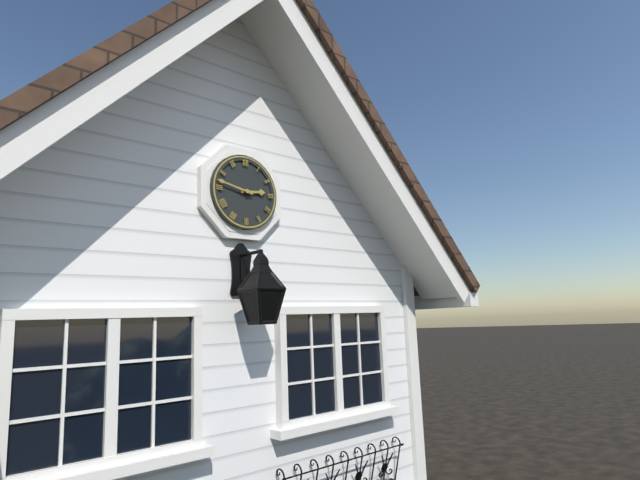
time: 2:47
